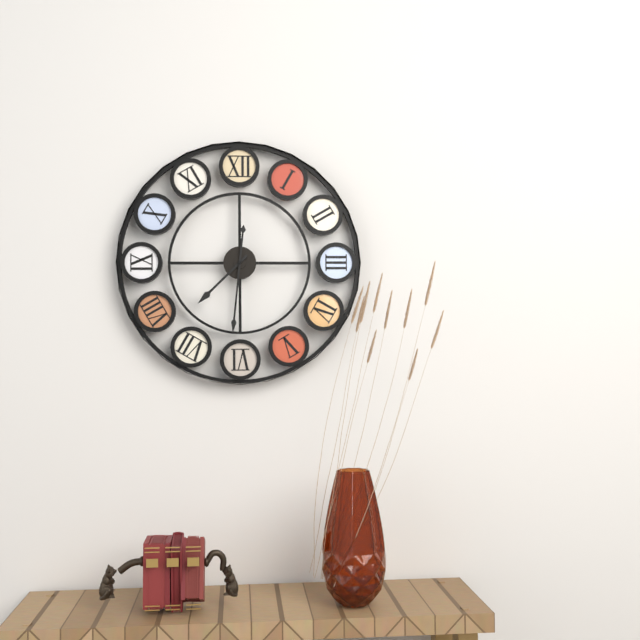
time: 7:31
